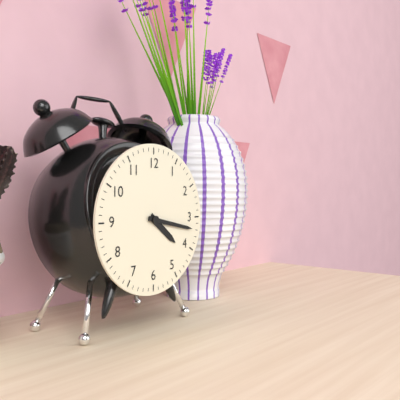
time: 4:17
